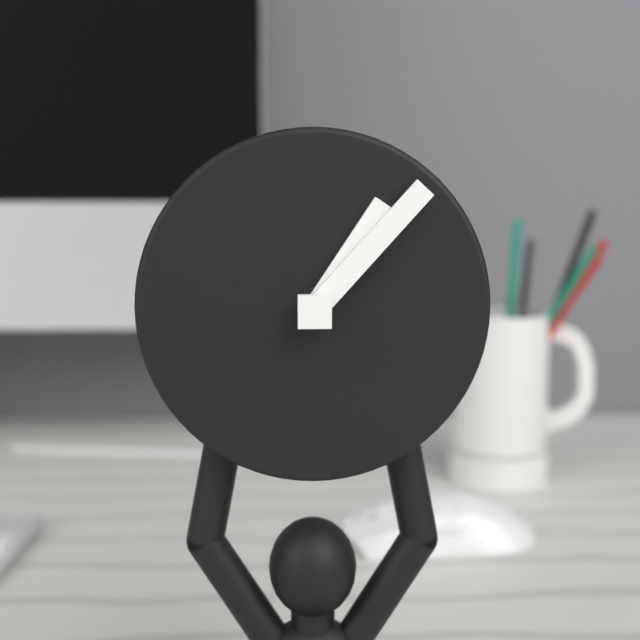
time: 1:07
